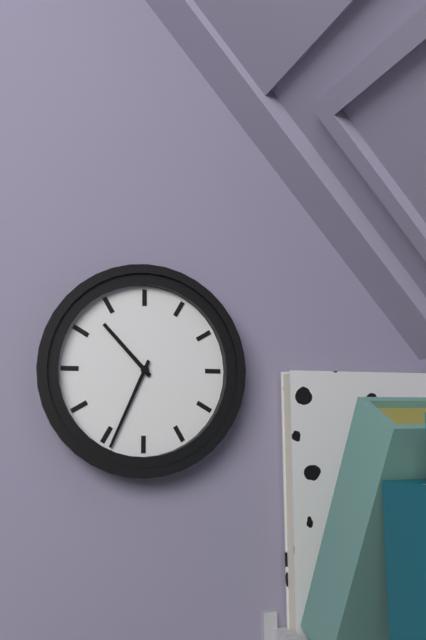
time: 10:34
